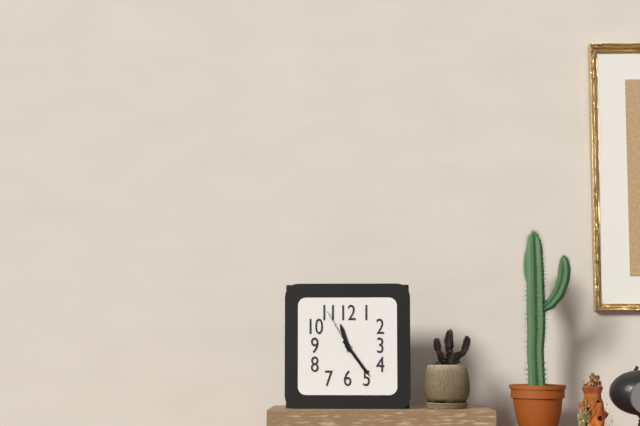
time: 11:24
